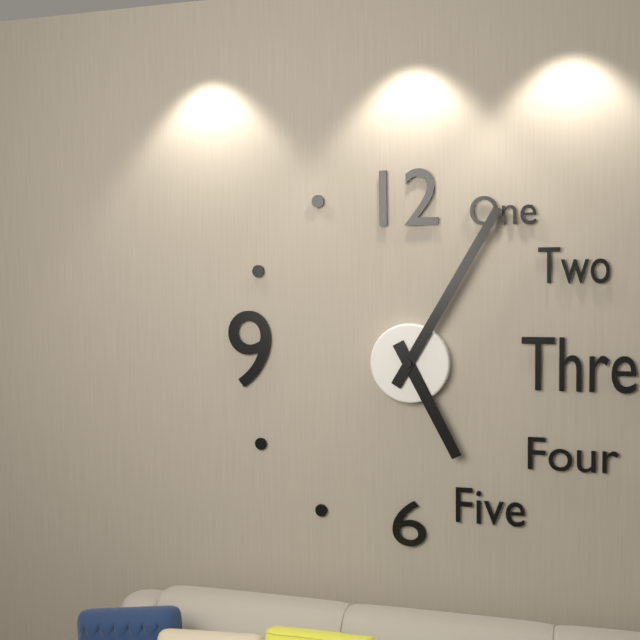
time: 5:05
